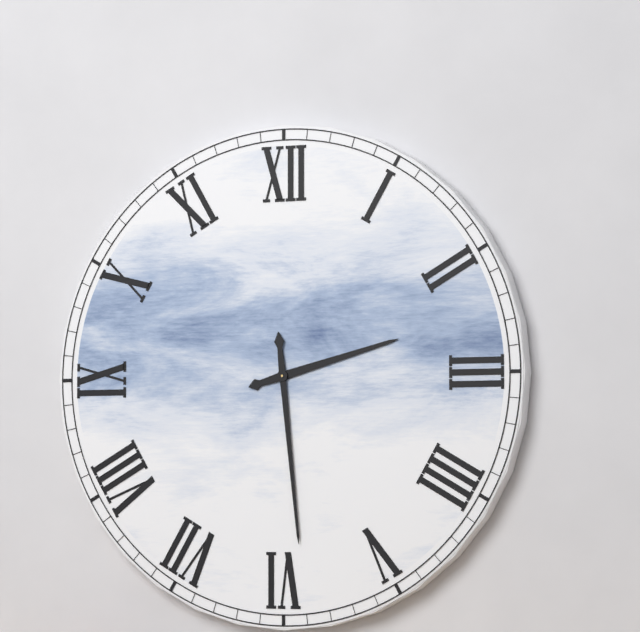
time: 2:29
